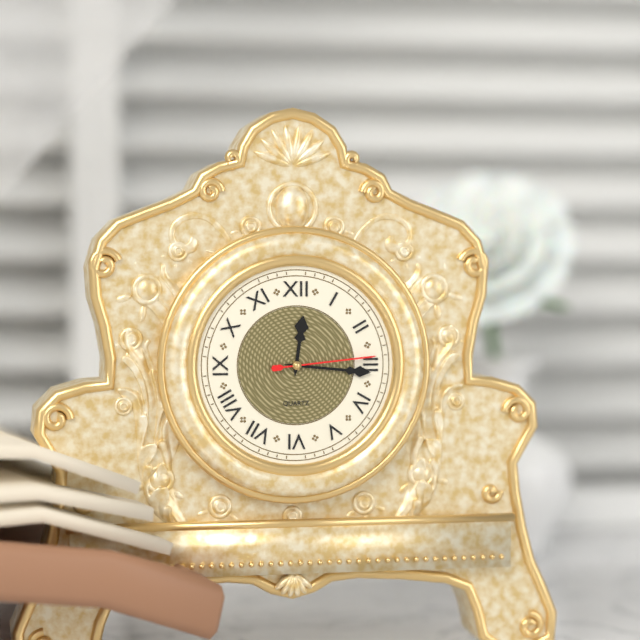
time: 12:16:14
